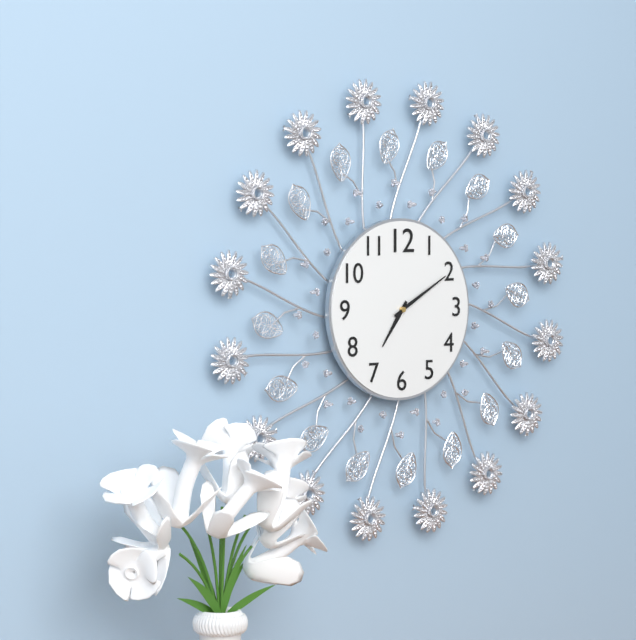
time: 7:10
